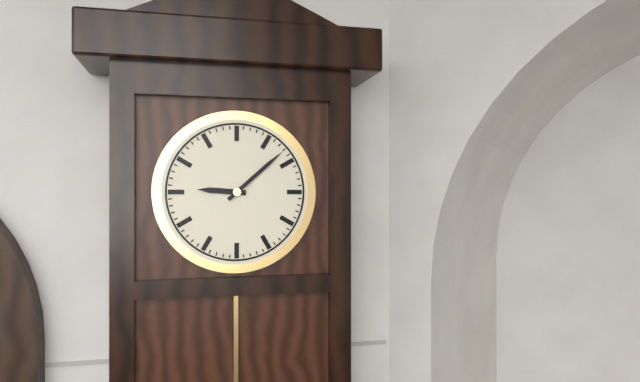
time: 9:08
